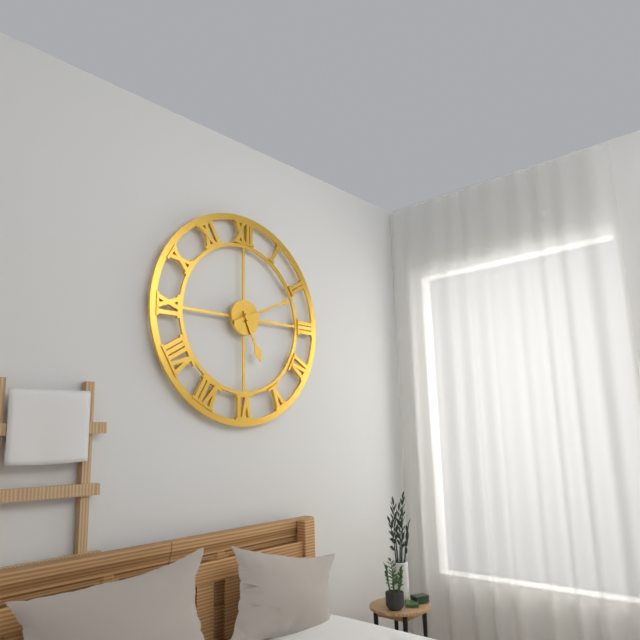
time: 5:11
